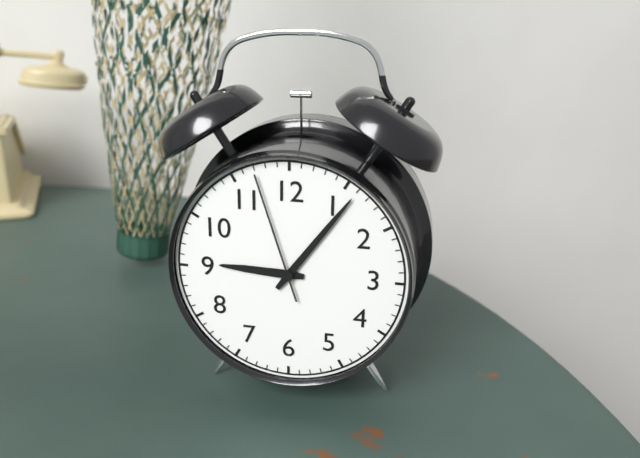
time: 9:06:57
